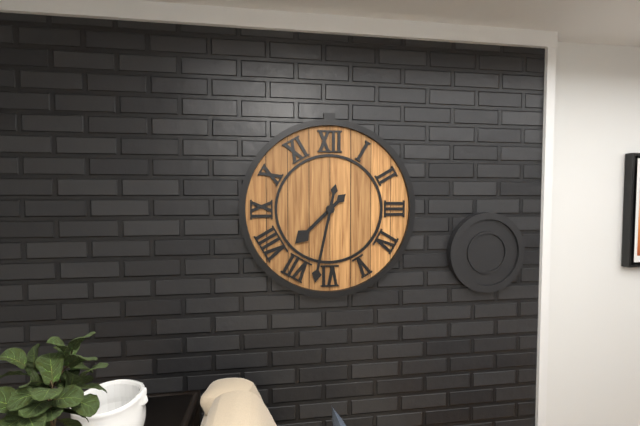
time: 7:32
